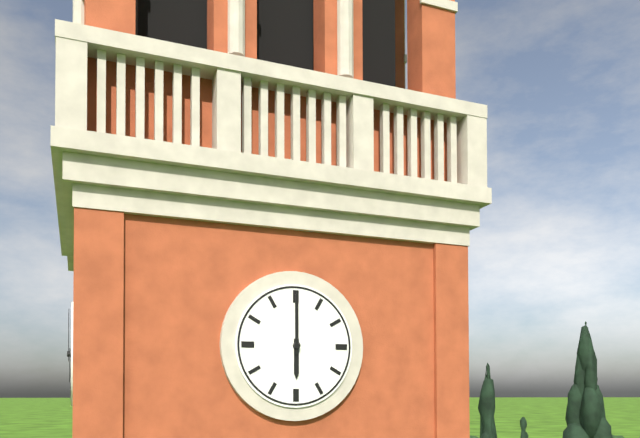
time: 6:00
